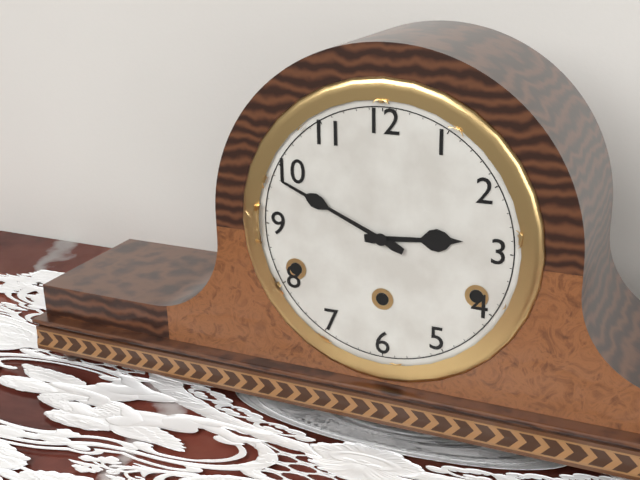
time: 2:49
